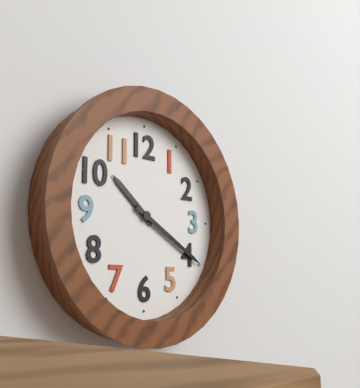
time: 10:20
